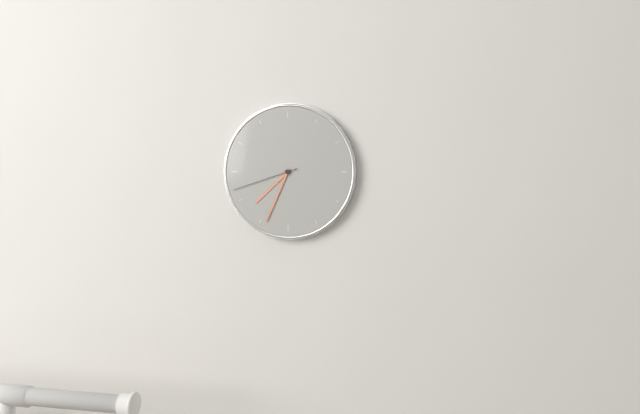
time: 7:34:42
